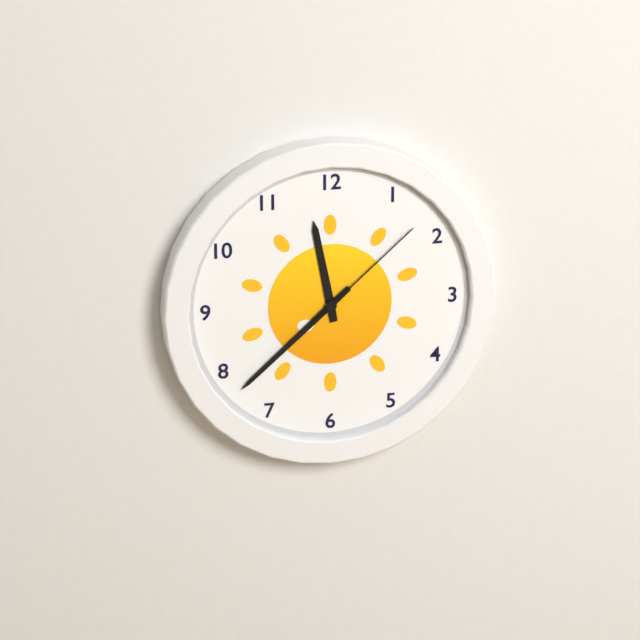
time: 11:38:08
